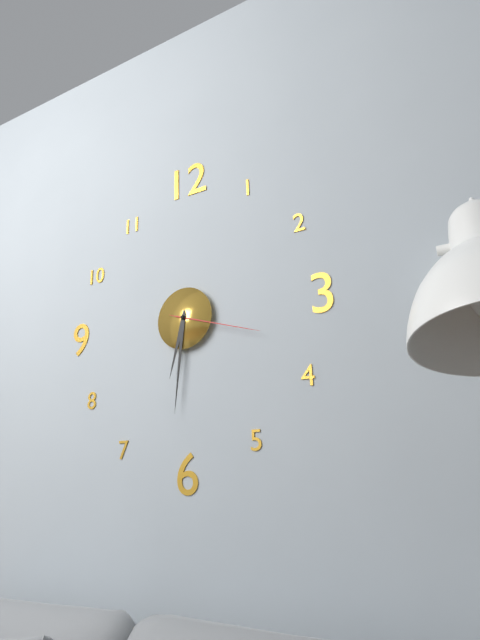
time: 6:31:18
